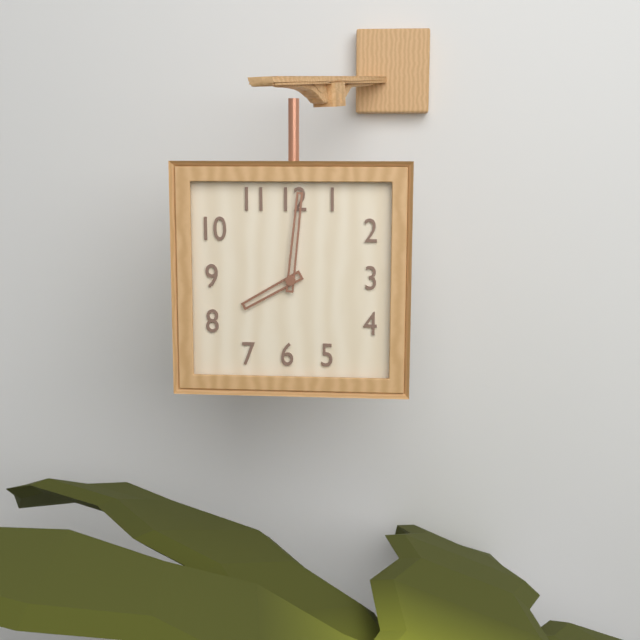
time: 8:01
